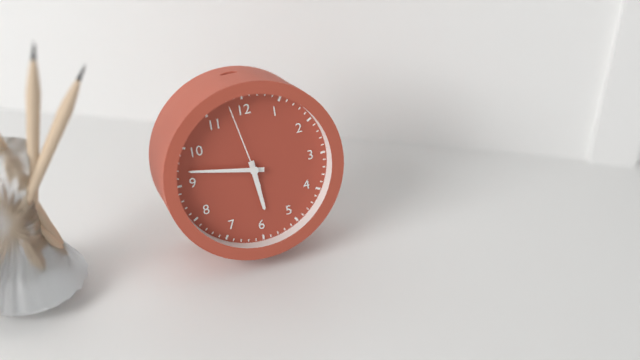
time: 5:47:58
